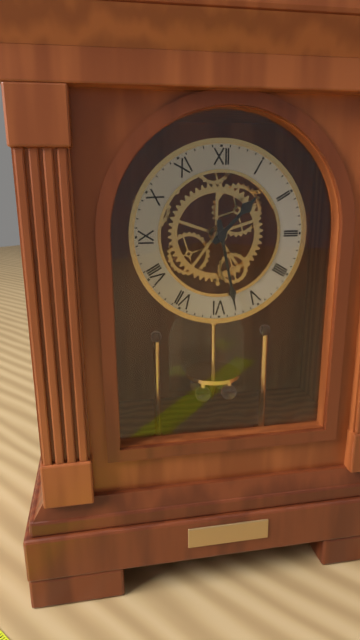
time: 1:28
